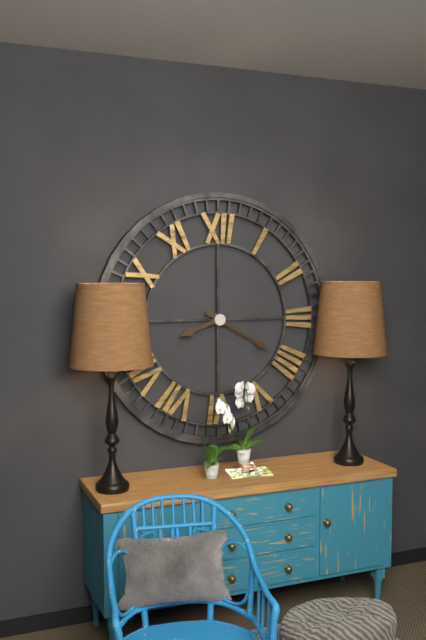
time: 8:20
